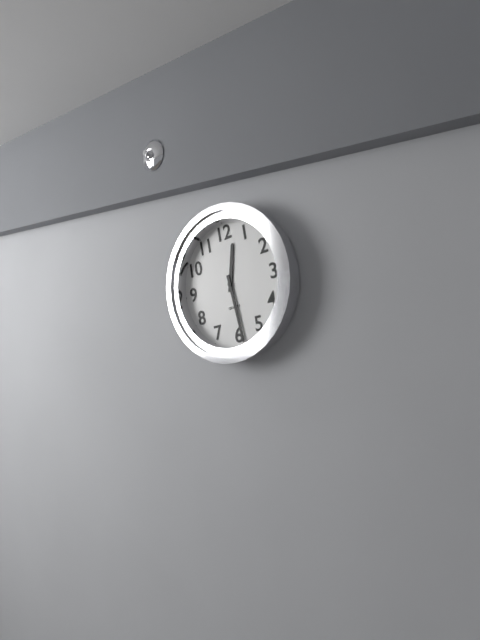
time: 12:29
